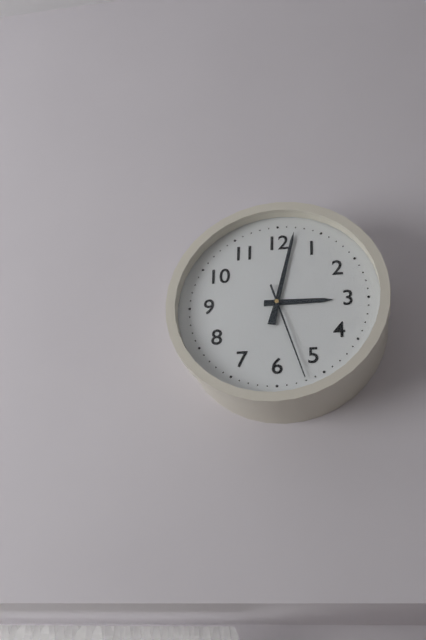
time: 3:02:27
